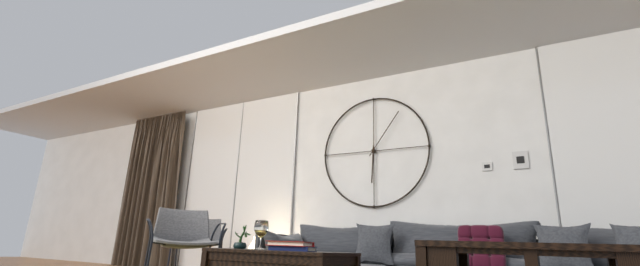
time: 6:06
